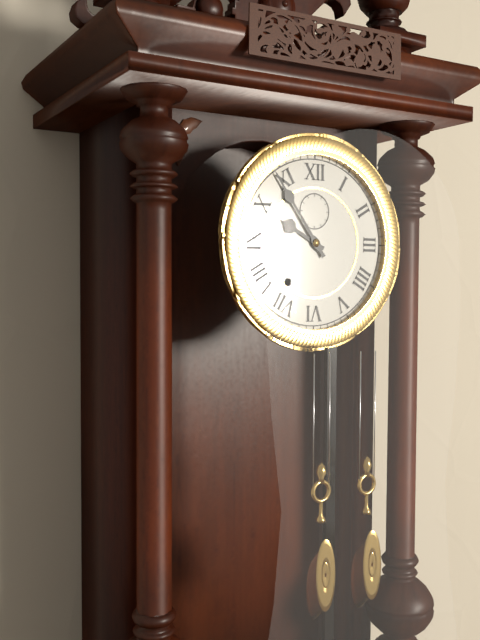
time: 9:54
